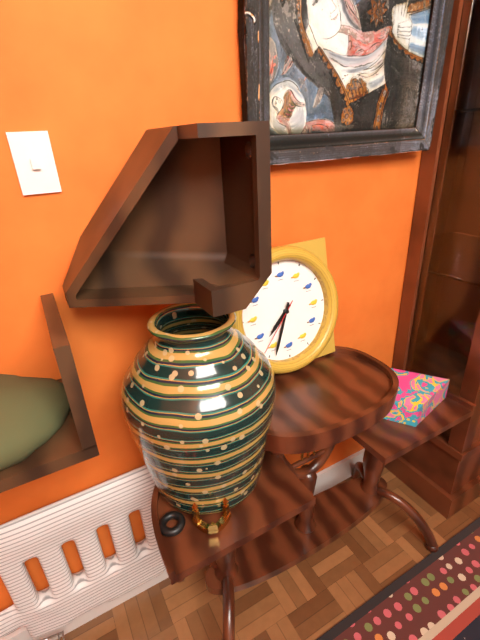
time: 7:34:37
